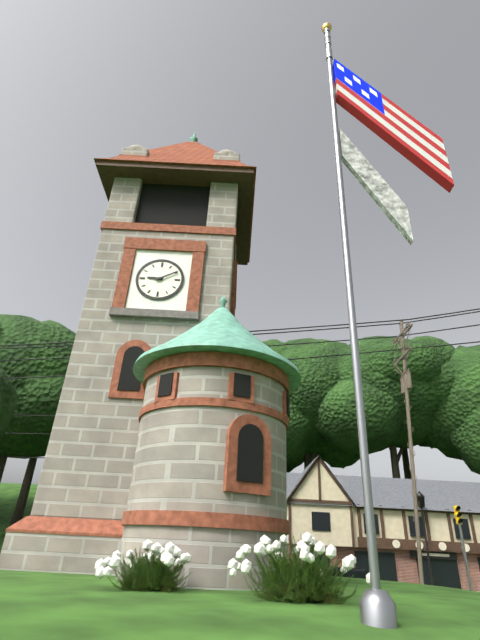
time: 9:10
